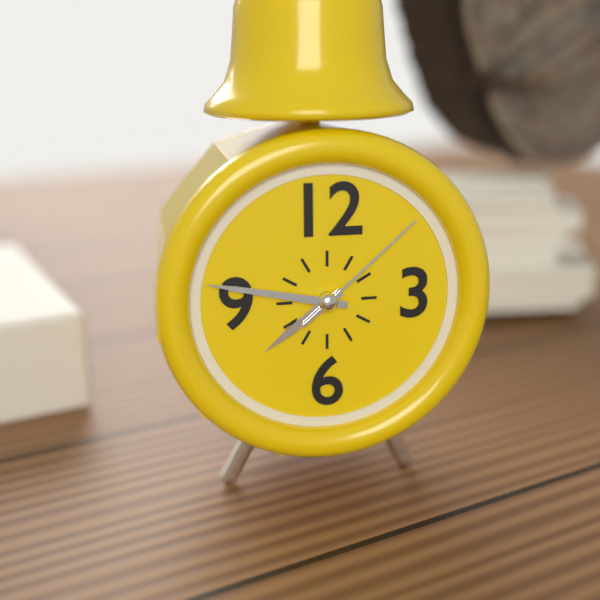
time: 7:47:08
